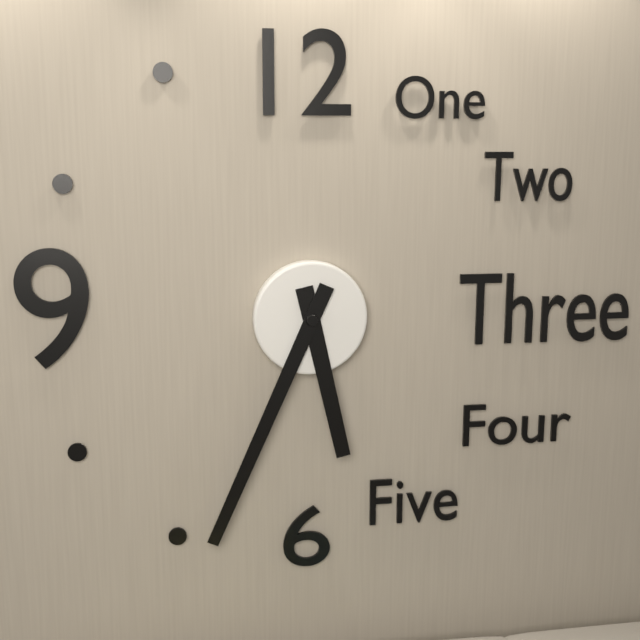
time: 5:34
